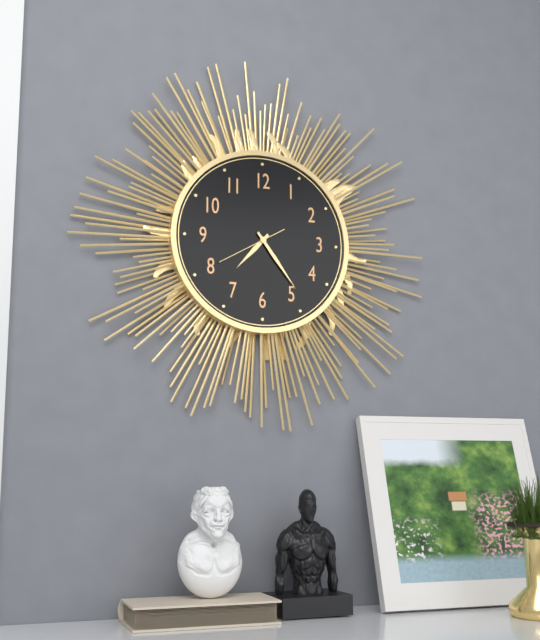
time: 7:24:40
